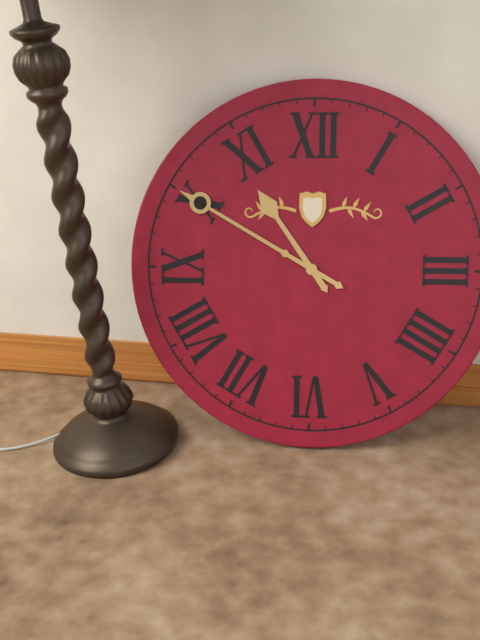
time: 10:50
